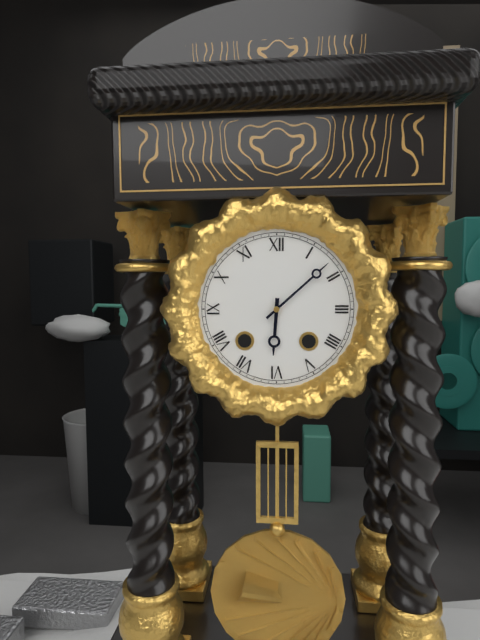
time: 6:08
